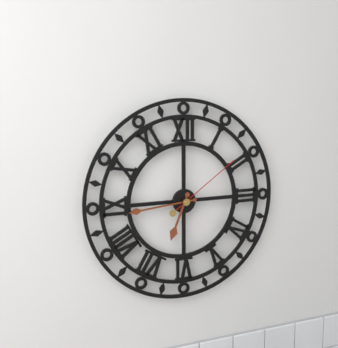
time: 6:44:09
